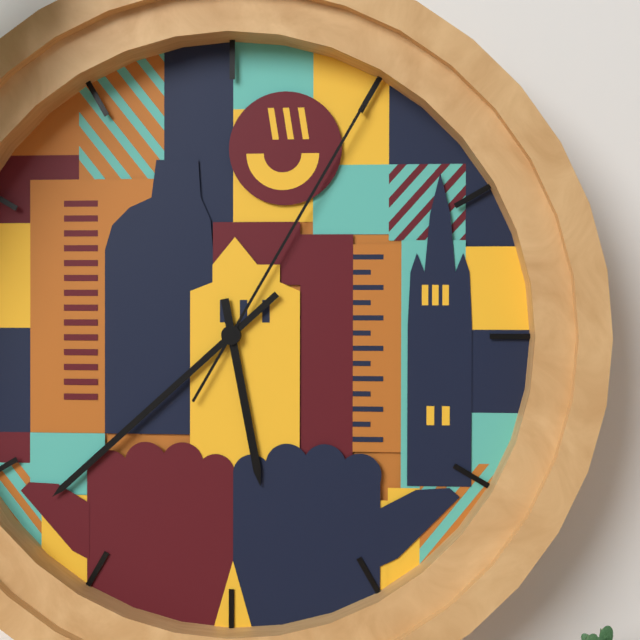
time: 5:38:05
